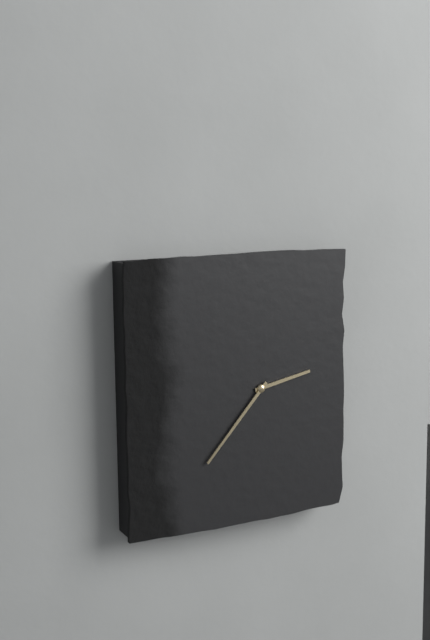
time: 2:37
